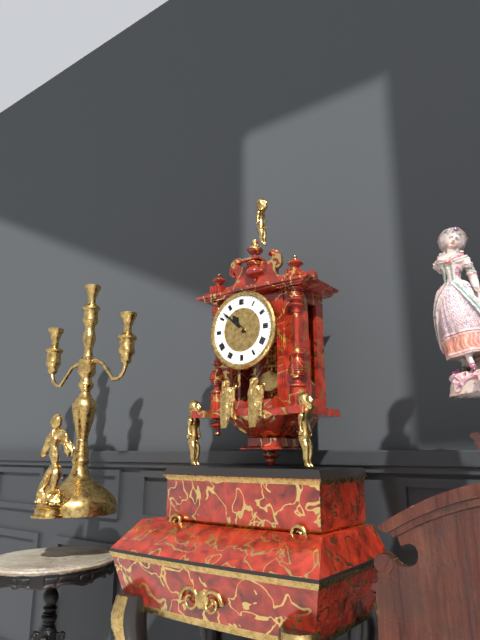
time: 10:52
